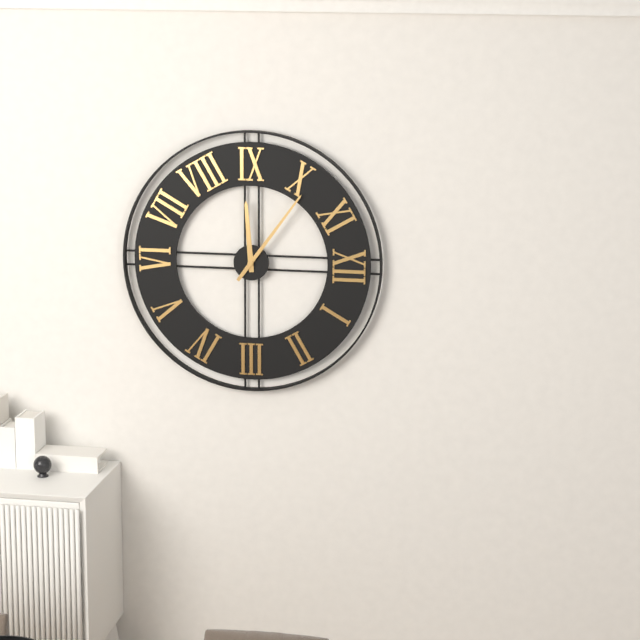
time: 8:51
